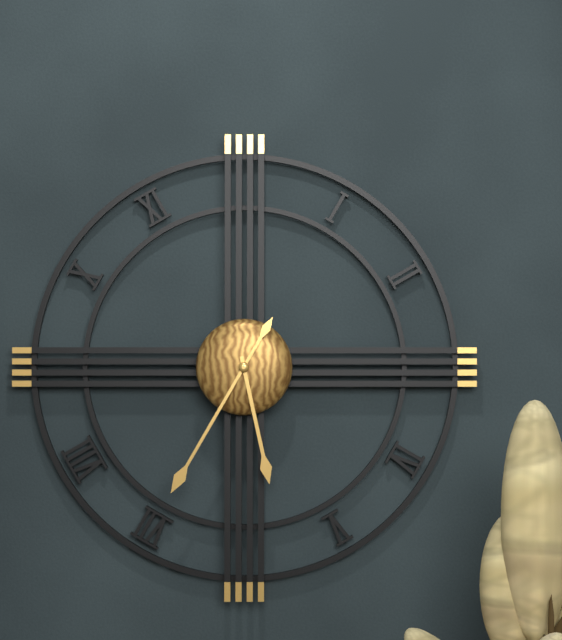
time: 5:35
